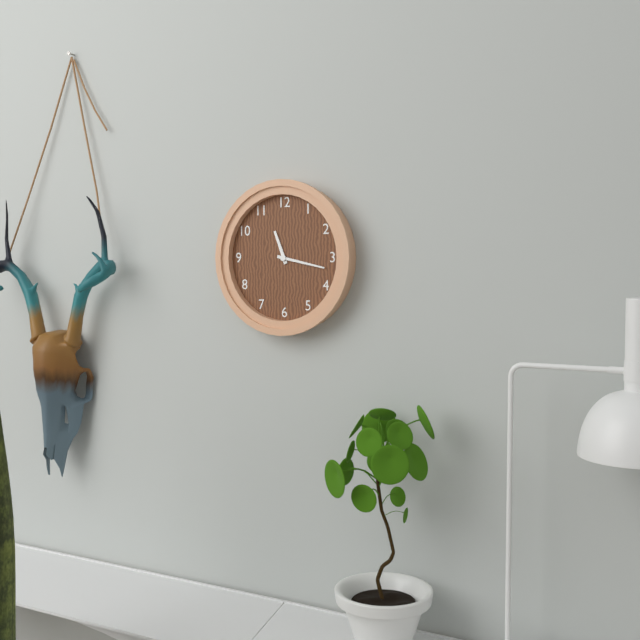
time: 11:17
